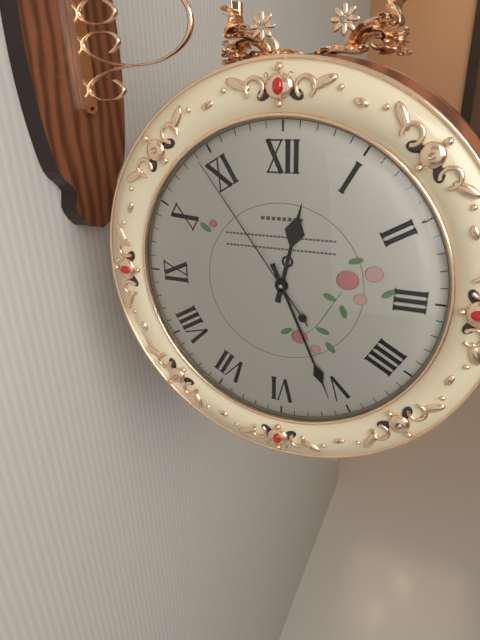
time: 12:26:54
